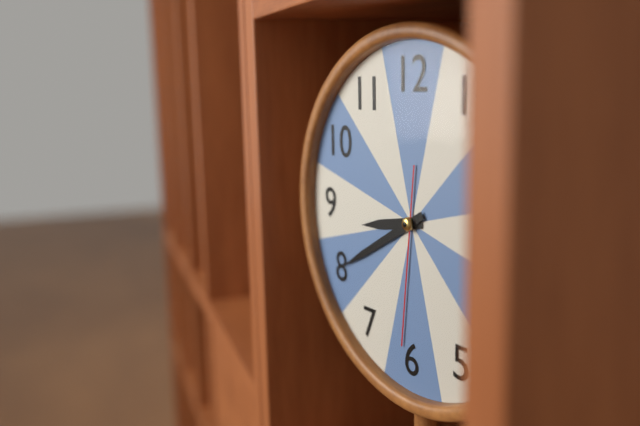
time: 8:40:31
